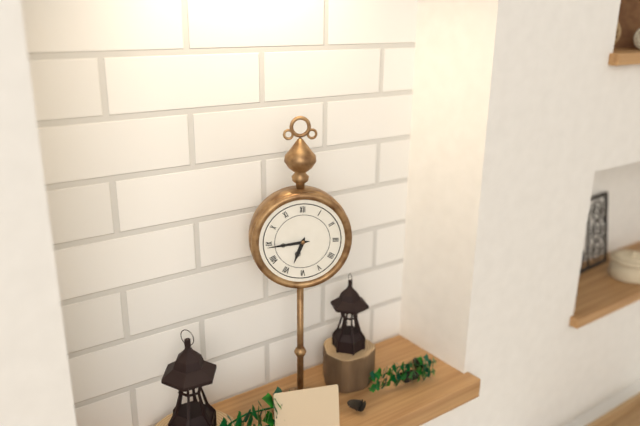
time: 6:44
